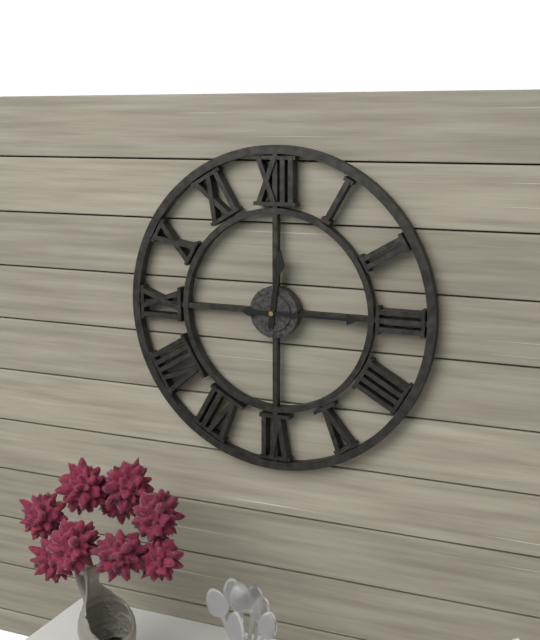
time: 12:15
